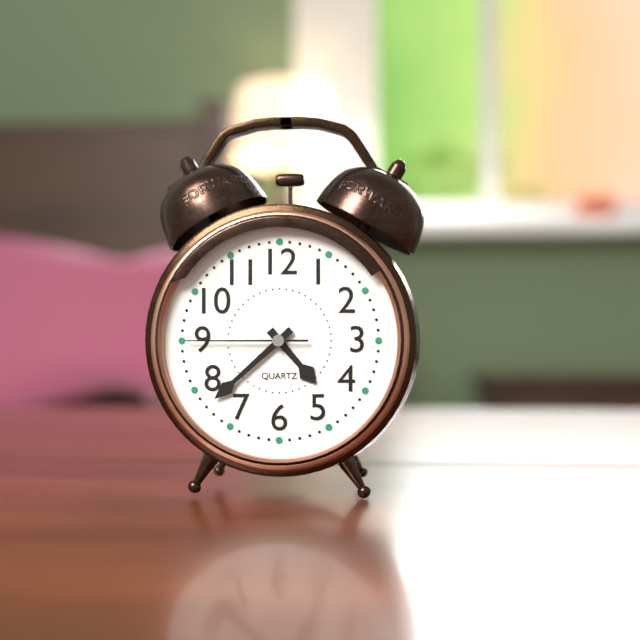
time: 4:38:45
